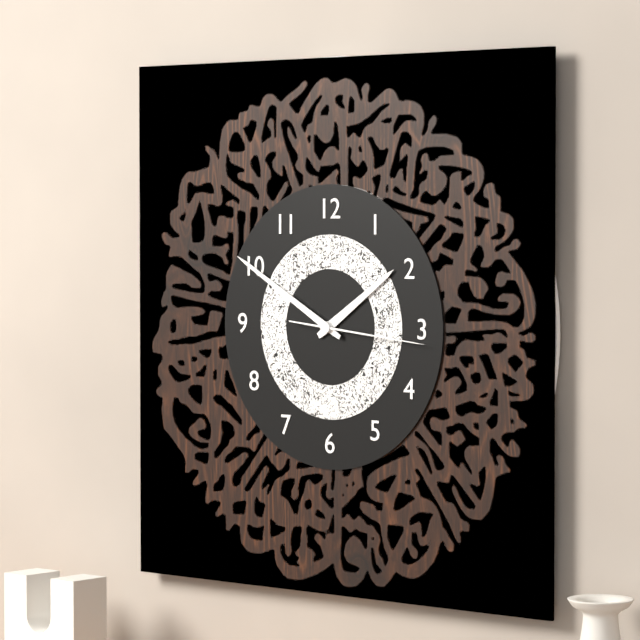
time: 1:50:16
